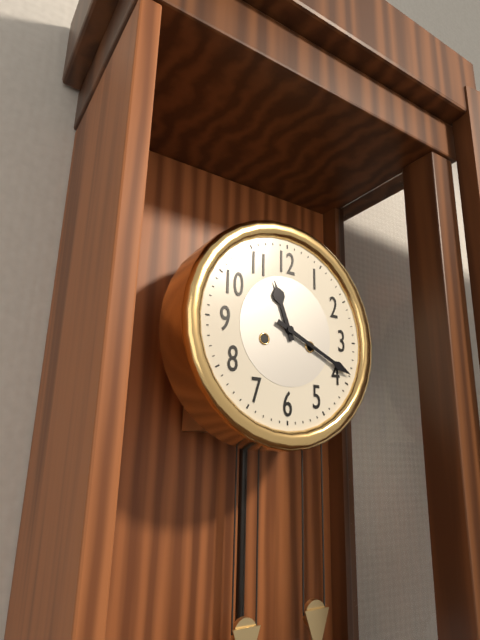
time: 11:19
